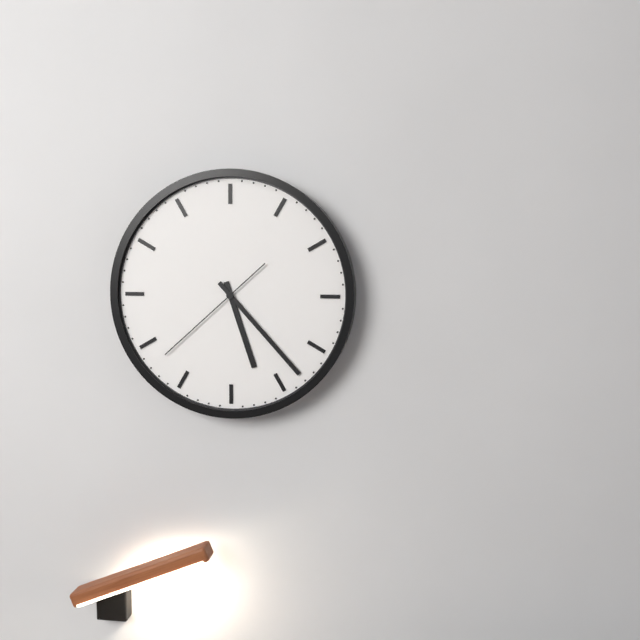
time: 5:23:38
